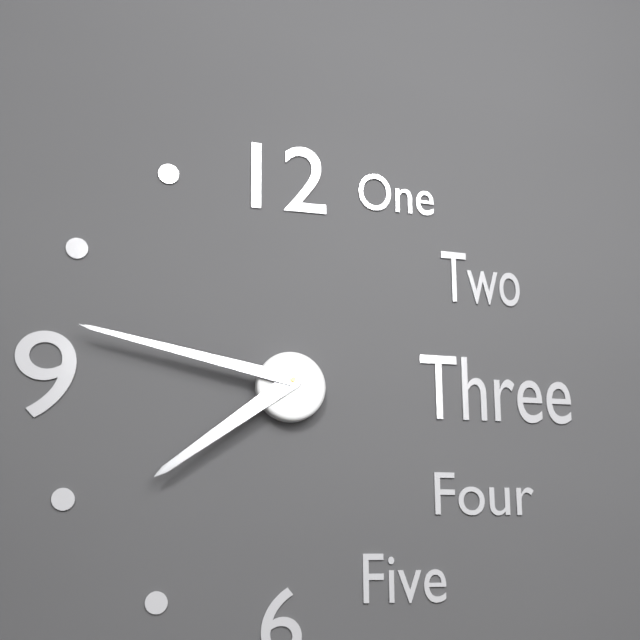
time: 7:47
